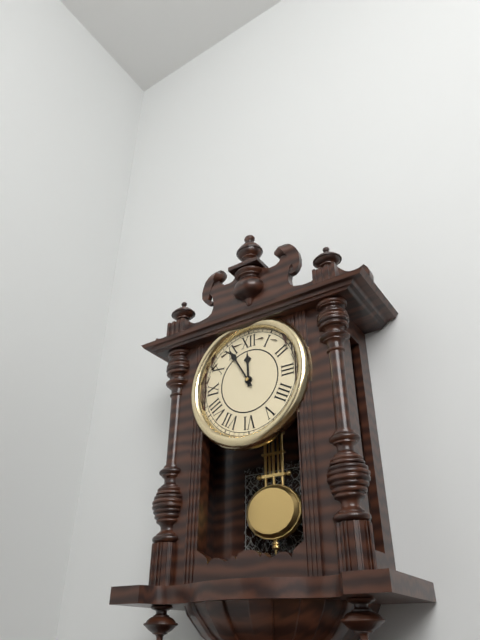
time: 11:55
